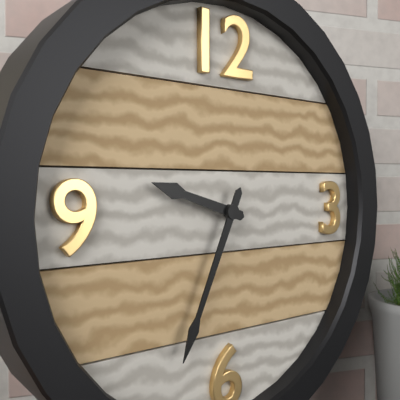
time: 9:34
